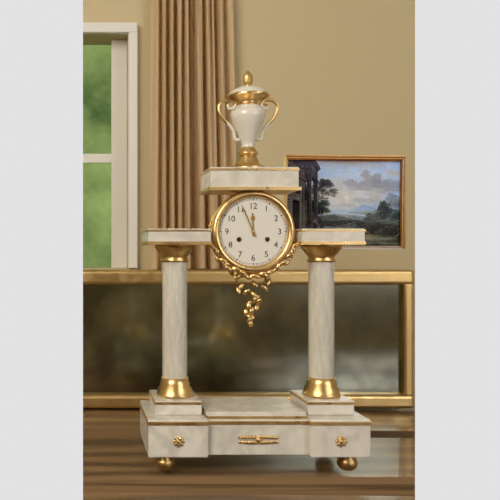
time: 11:56
